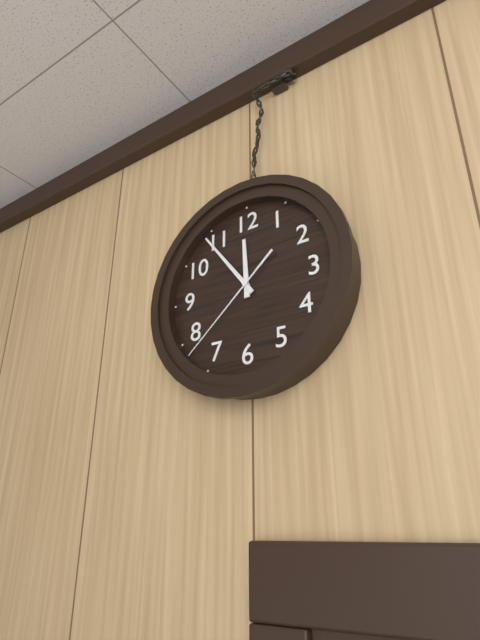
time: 11:54:38
